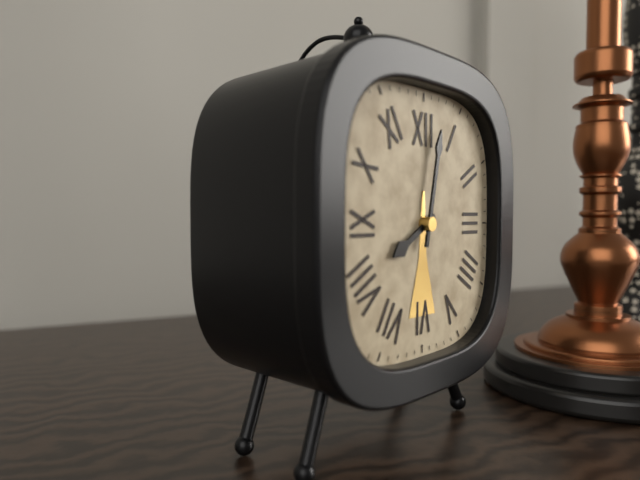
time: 8:02
